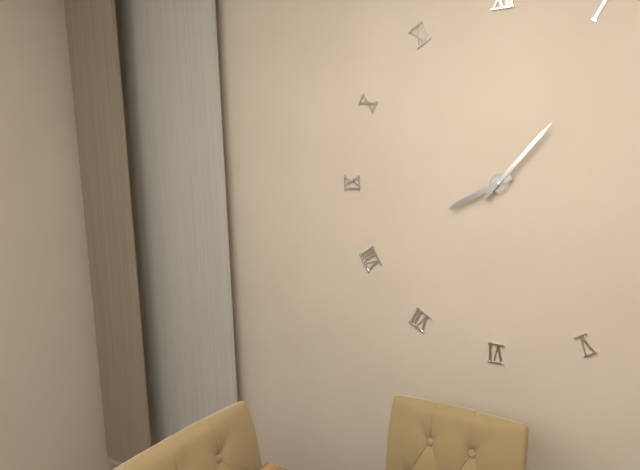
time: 8:07
